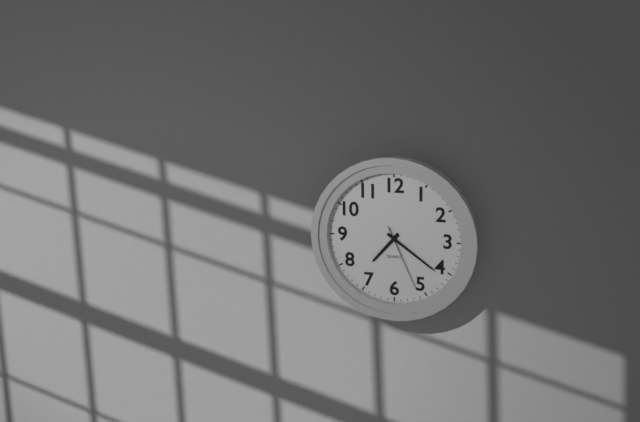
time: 7:21:26
